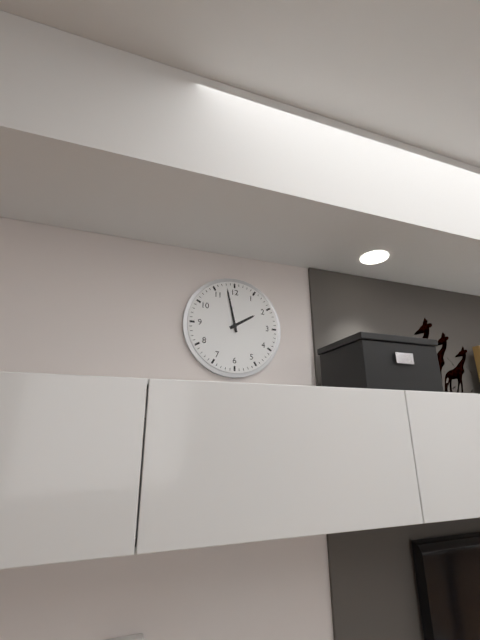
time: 1:58
